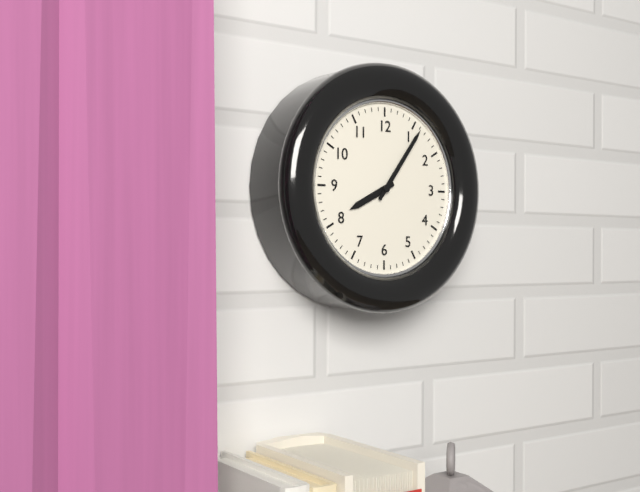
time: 8:06
